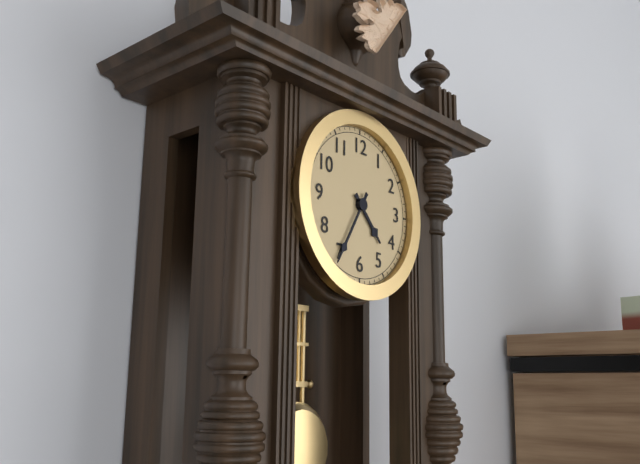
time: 4:35
